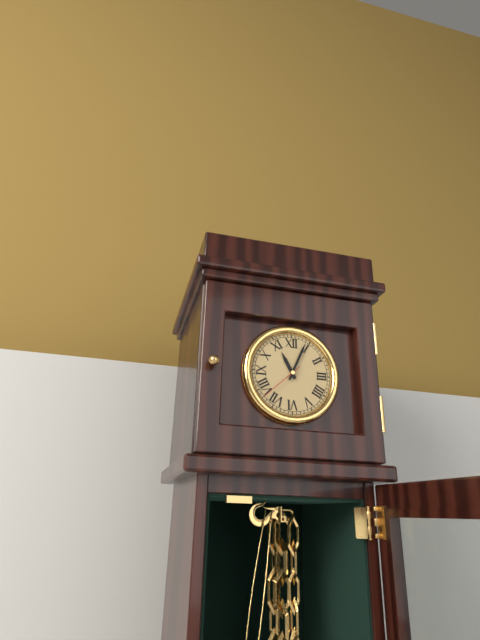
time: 11:04
